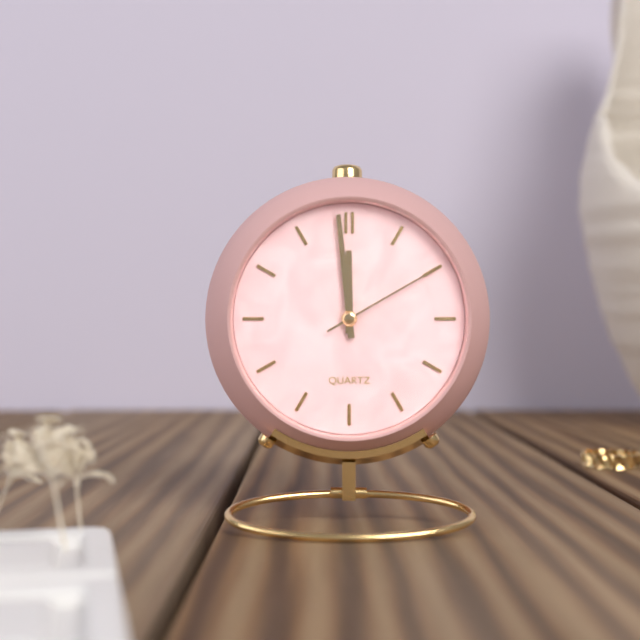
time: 11:59:10
